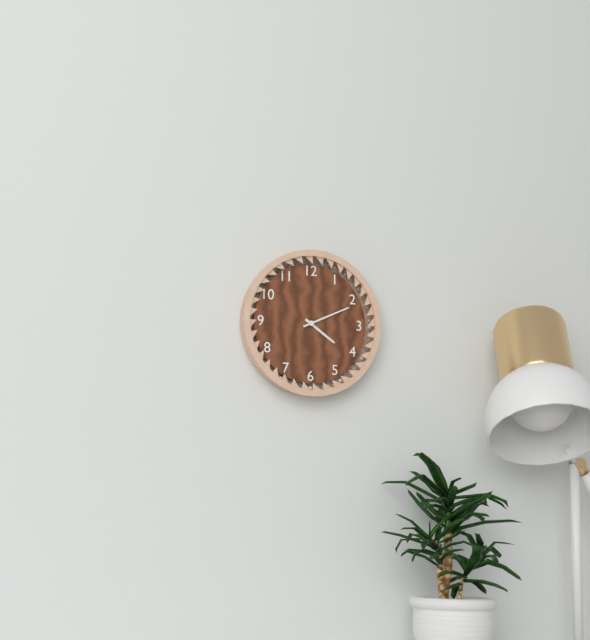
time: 4:11
